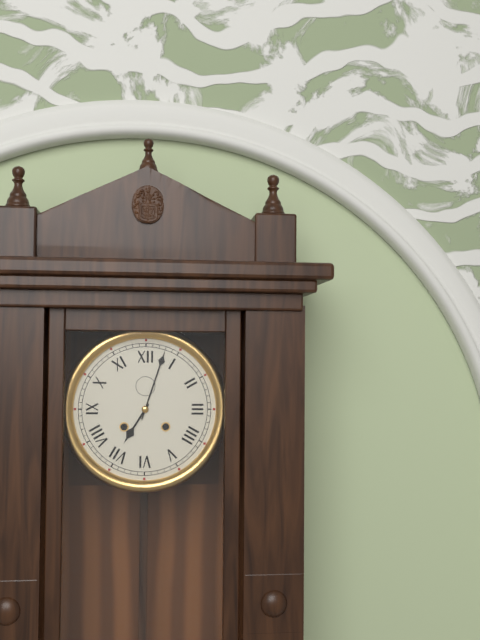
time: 7:03
